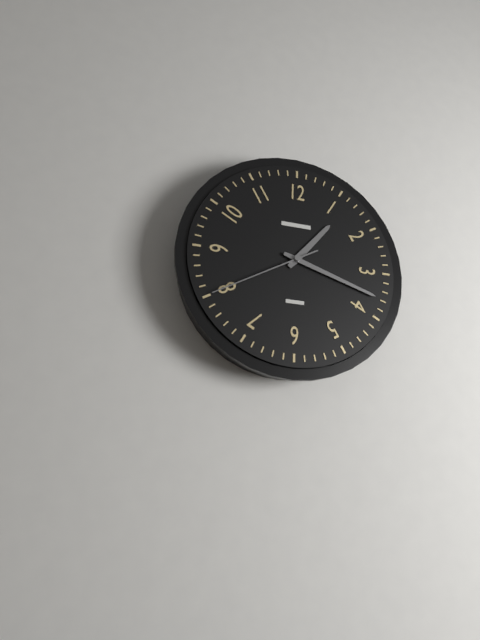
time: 1:18:40
